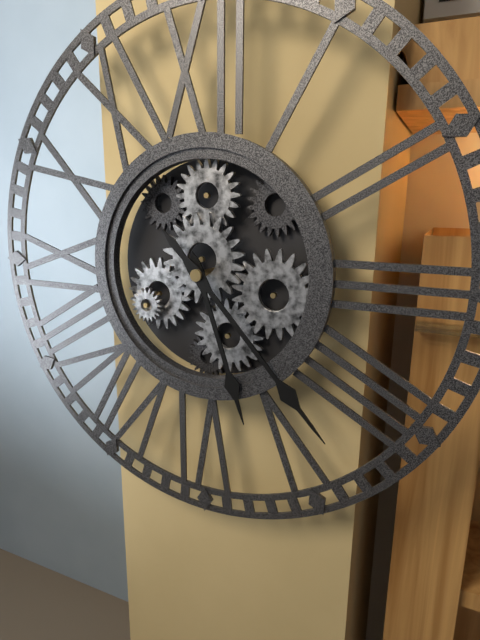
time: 5:23
